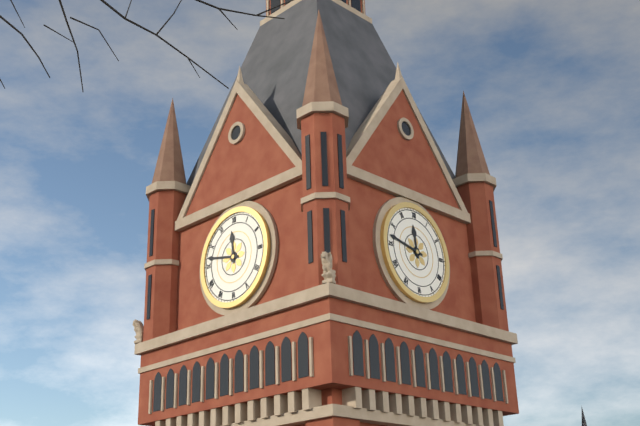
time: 11:47
